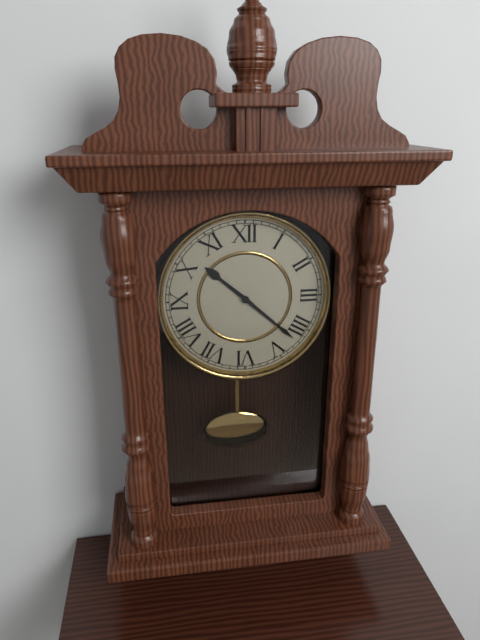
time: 10:22
